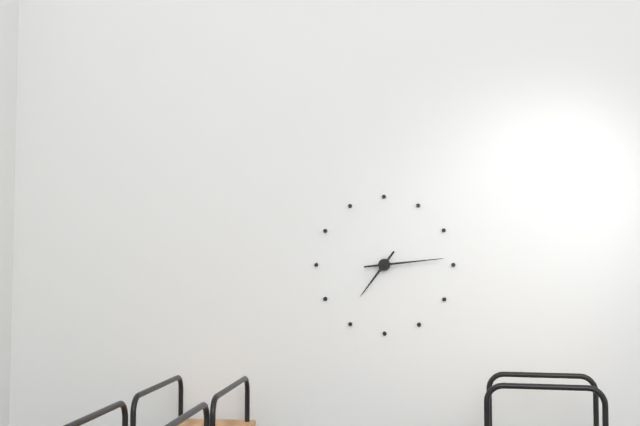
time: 7:14
